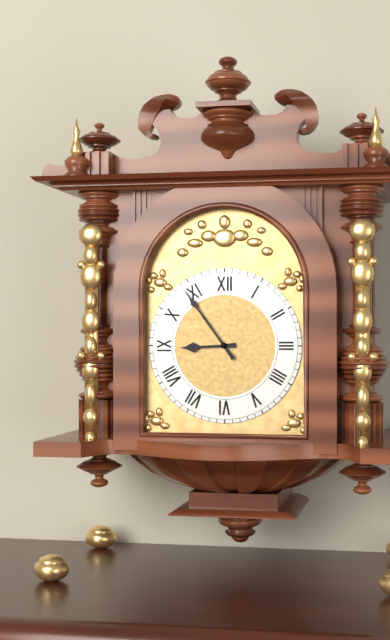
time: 8:54
